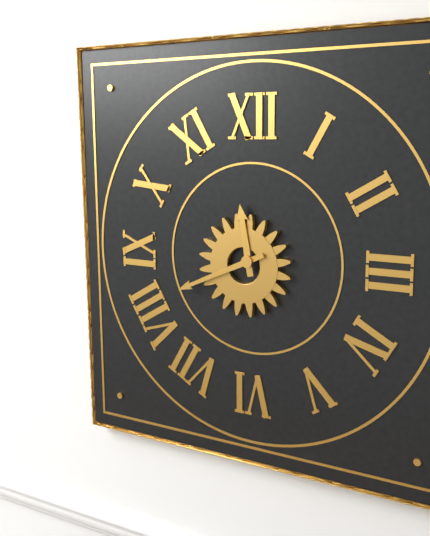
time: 11:41
